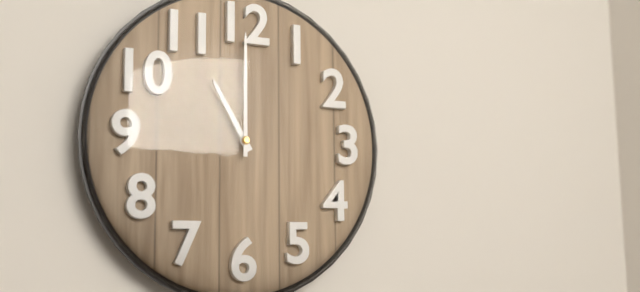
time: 11:00
